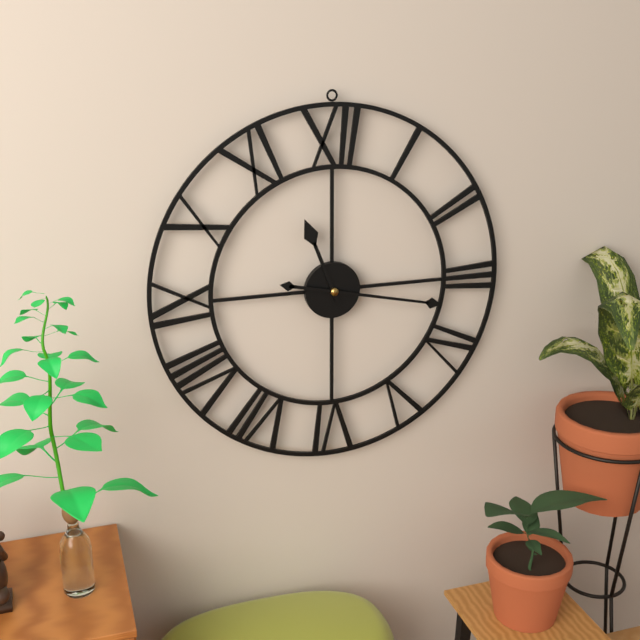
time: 11:17
